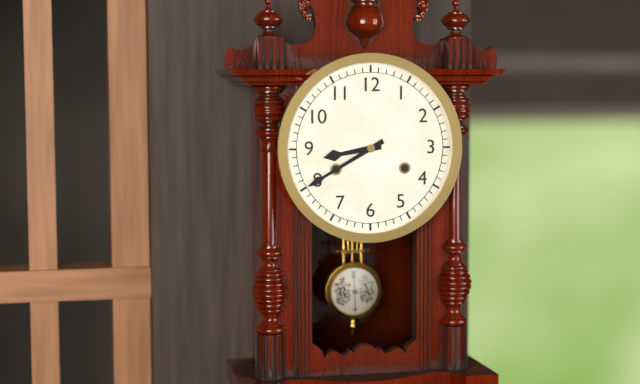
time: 8:40
